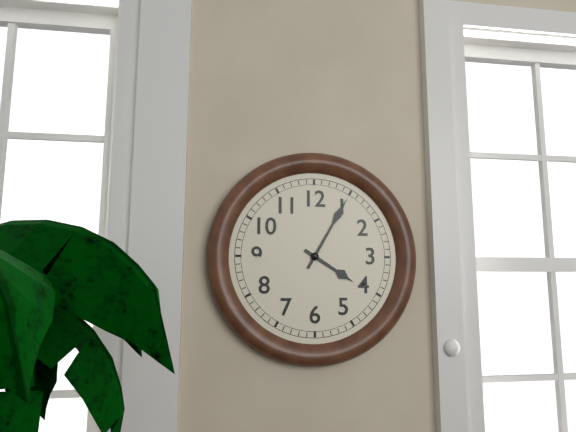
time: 4:05
